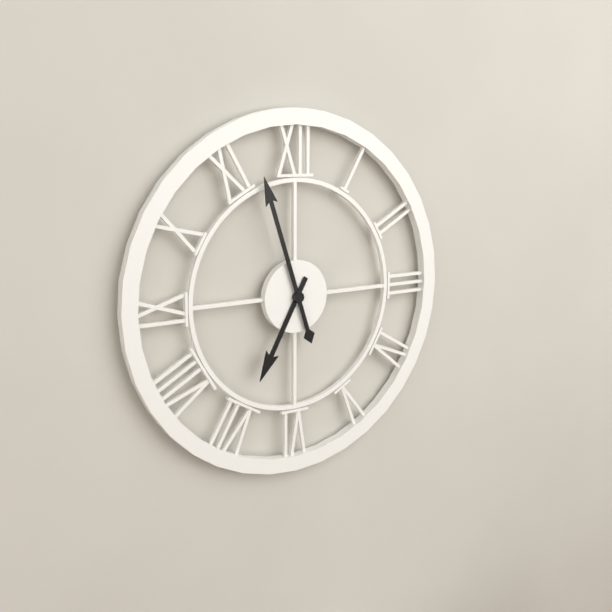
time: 6:57
